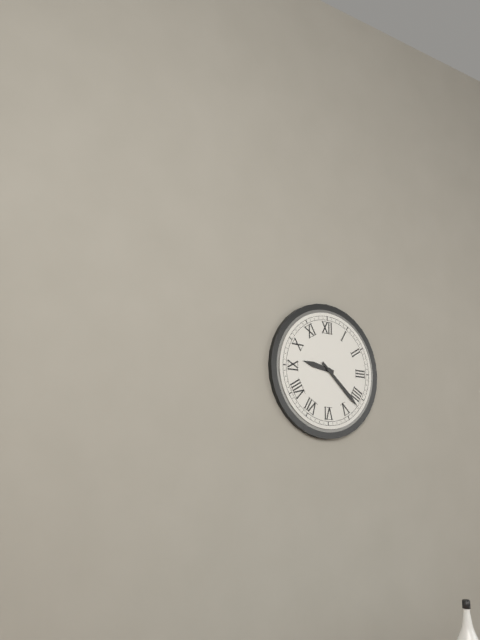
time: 9:22
